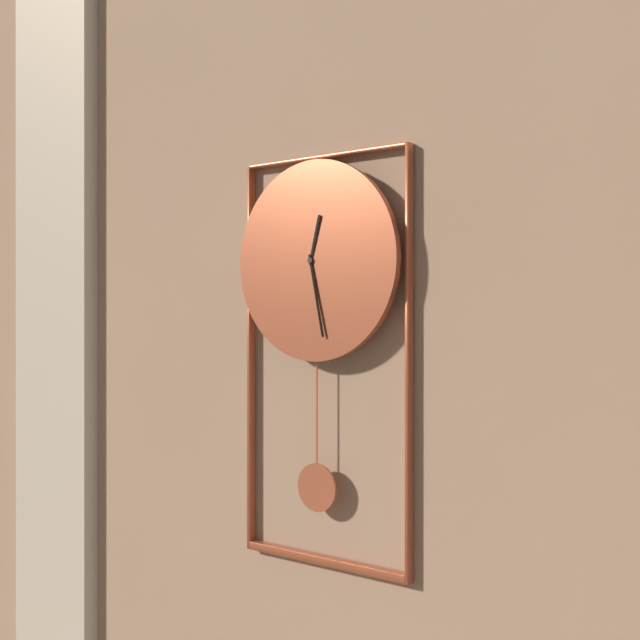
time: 12:28
